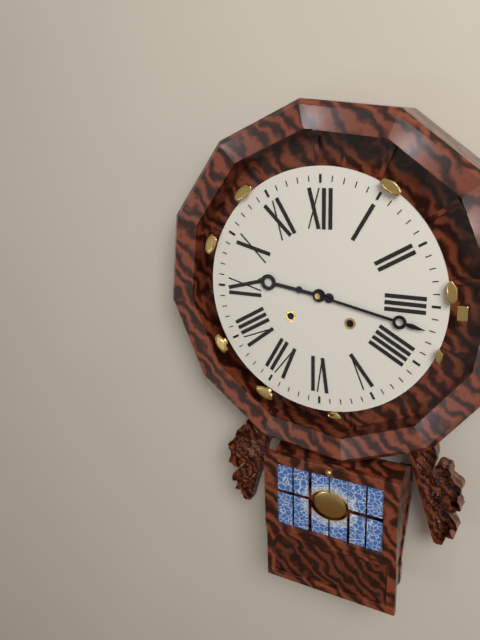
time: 9:17
